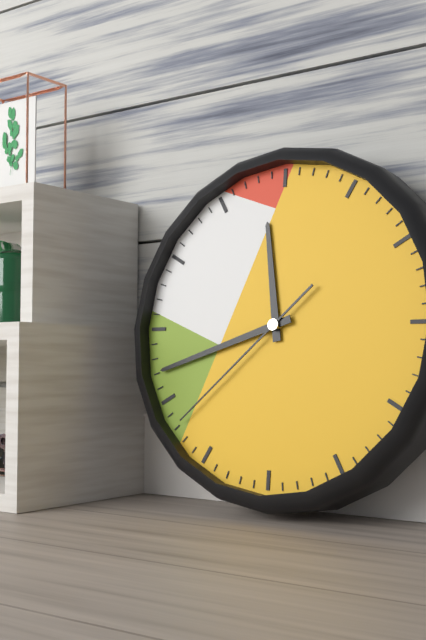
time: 11:42:38
